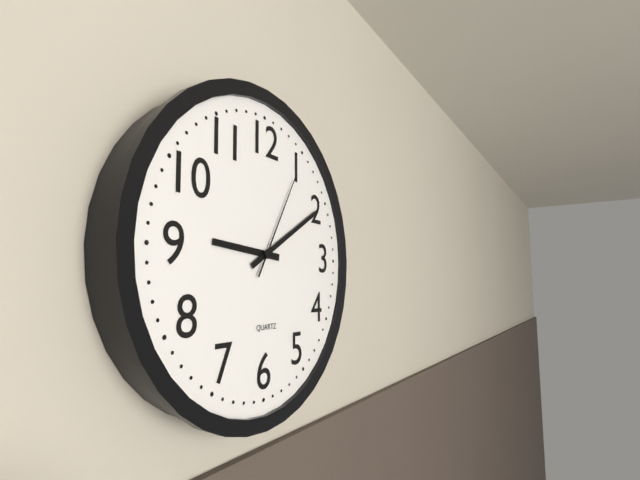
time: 9:10:05
